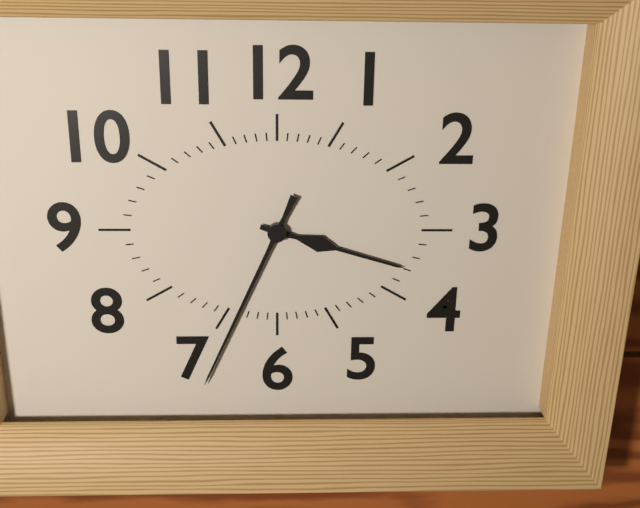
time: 3:34
